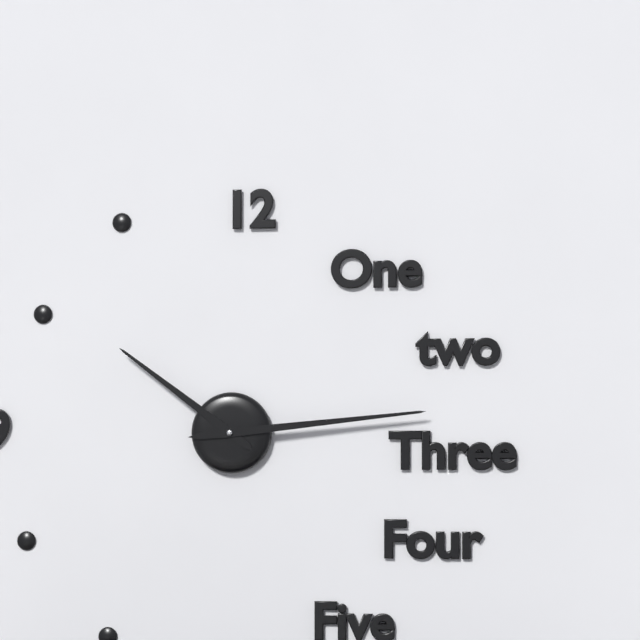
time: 10:14
